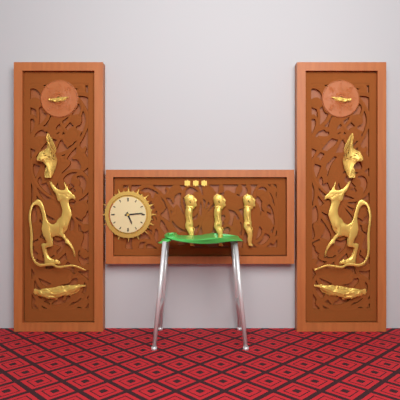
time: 5:14
